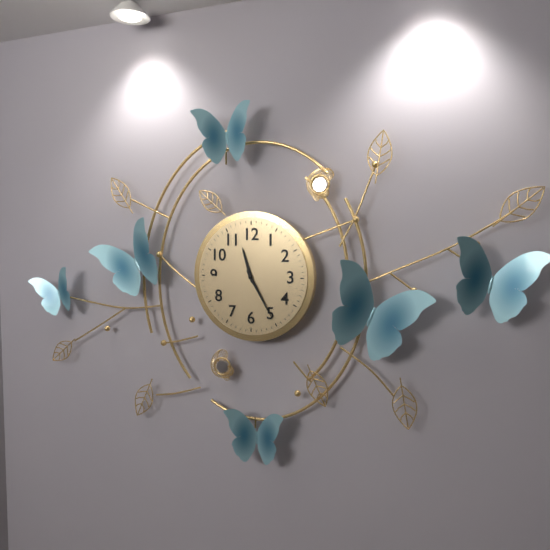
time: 11:25
